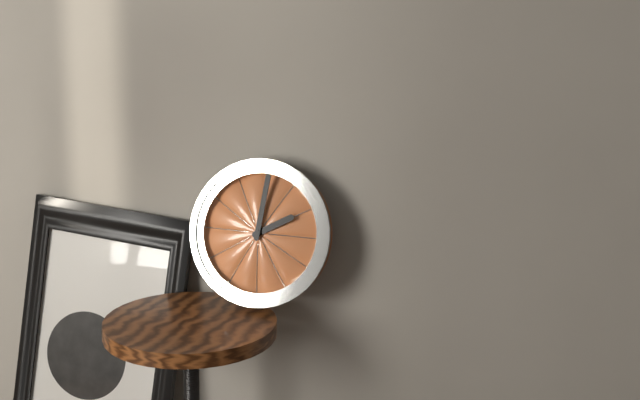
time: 2:01
